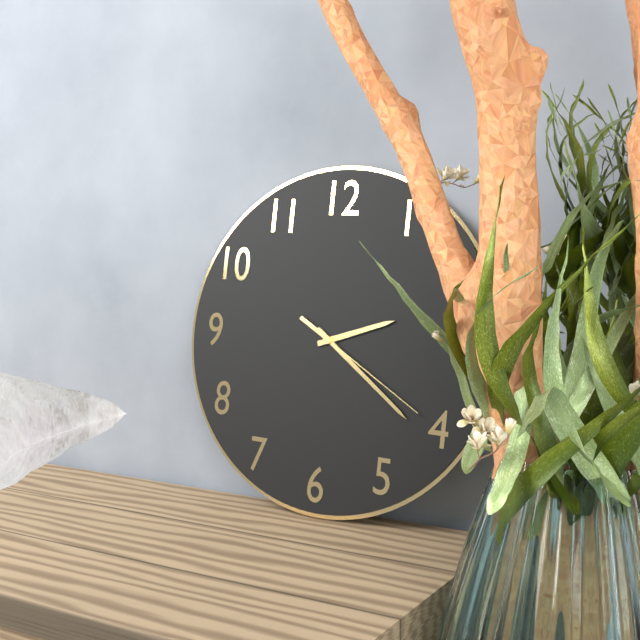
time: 2:21:20
